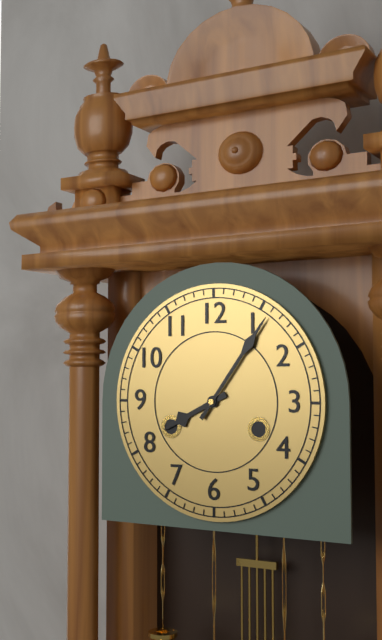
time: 8:06
